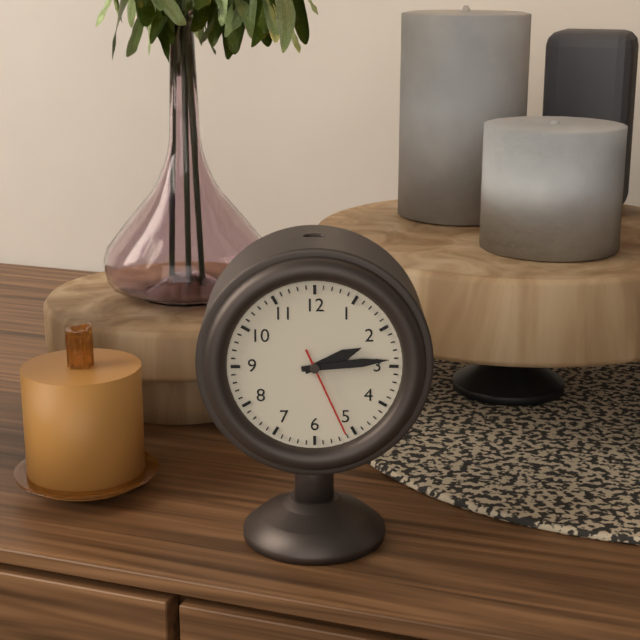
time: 2:14:26
